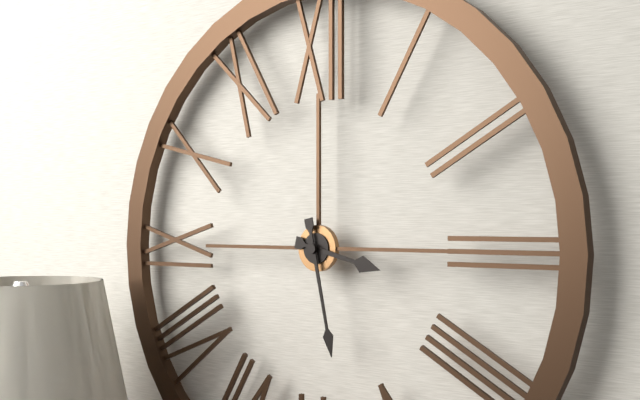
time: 3:28
